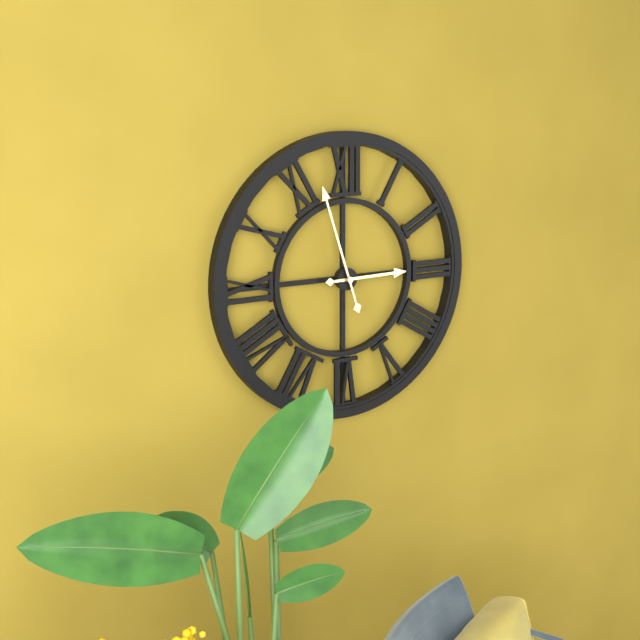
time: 2:57
